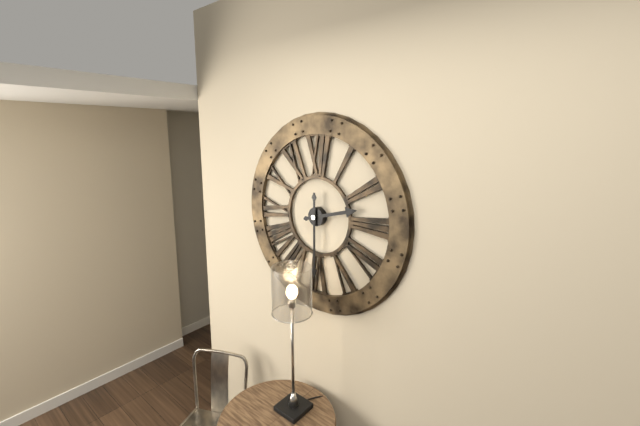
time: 2:30
